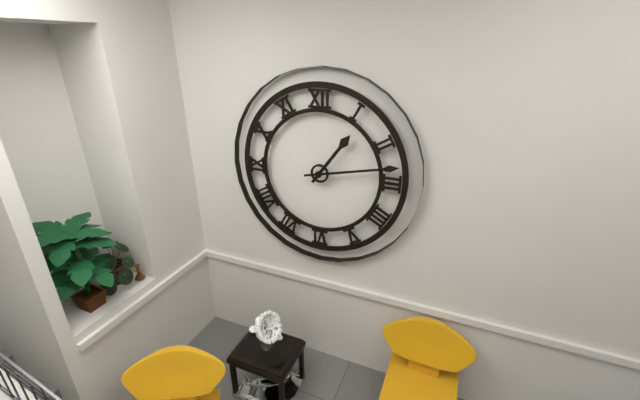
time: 1:13
